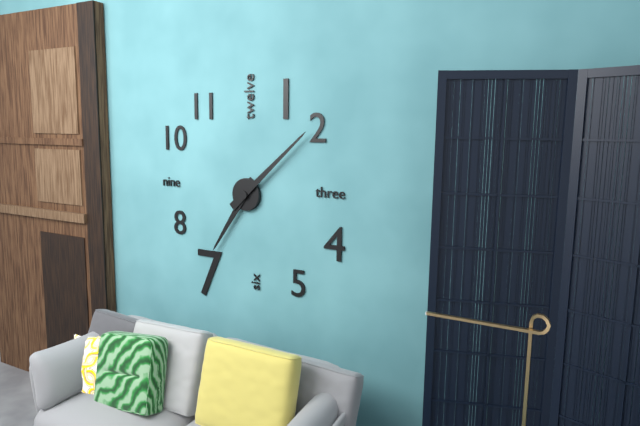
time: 7:08
